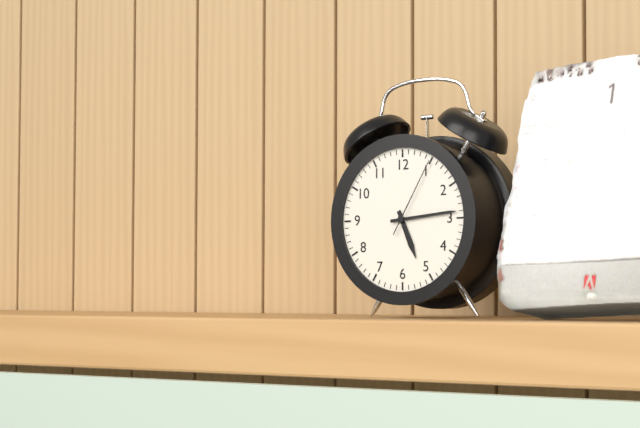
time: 5:14:05
